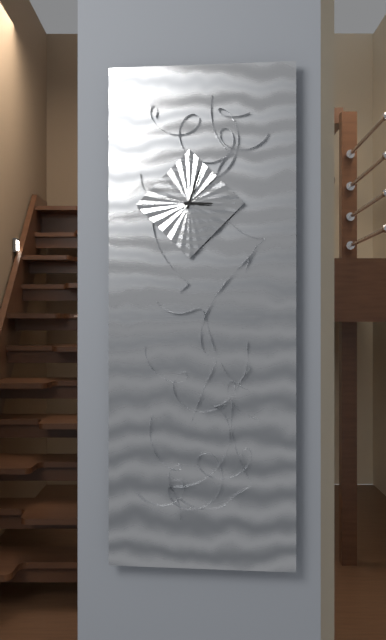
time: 3:03
